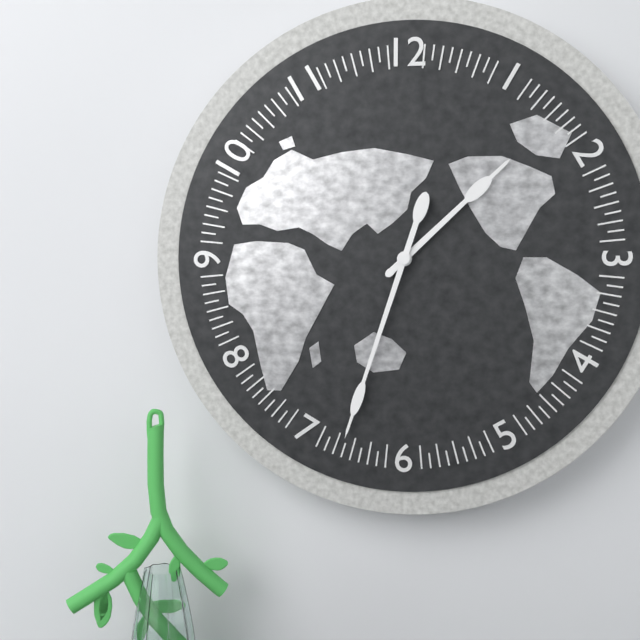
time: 1:33
